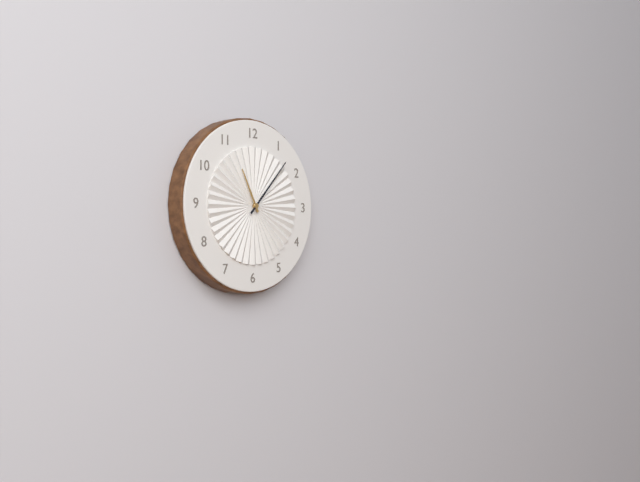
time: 11:07
